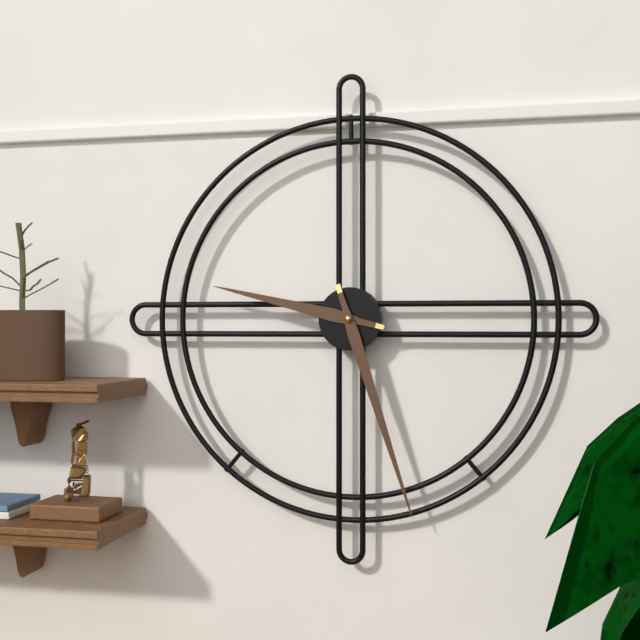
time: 9:27
